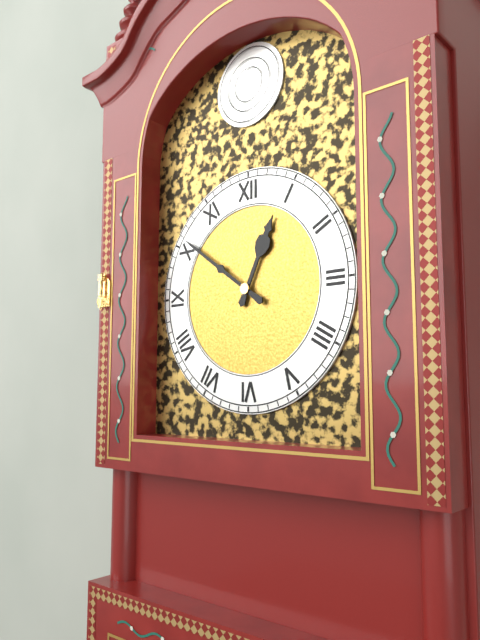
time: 12:51
